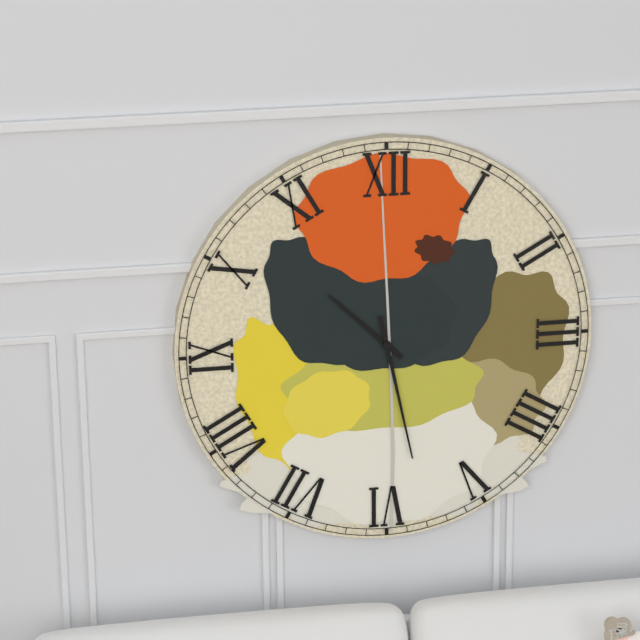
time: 10:28
